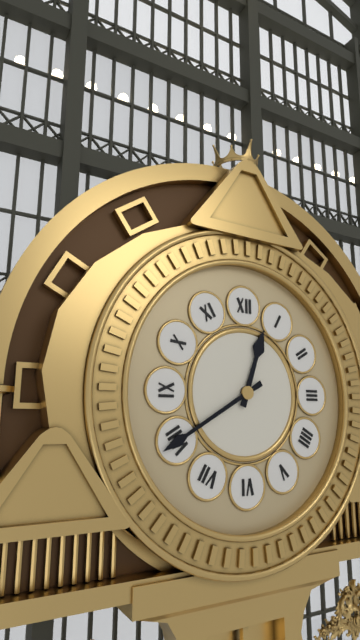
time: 12:40
